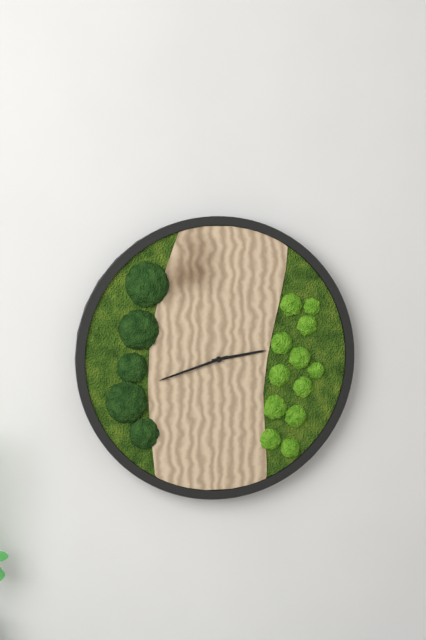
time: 2:42
